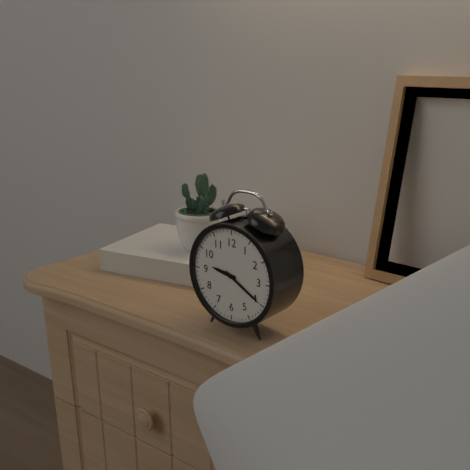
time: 9:20
